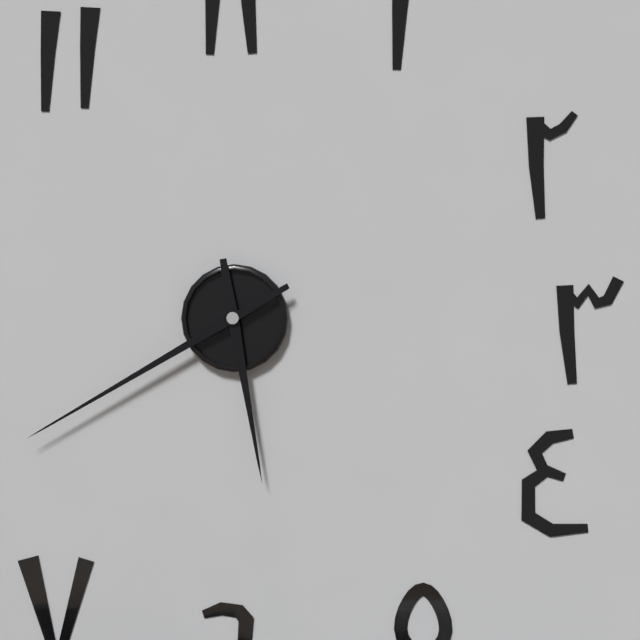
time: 5:40
